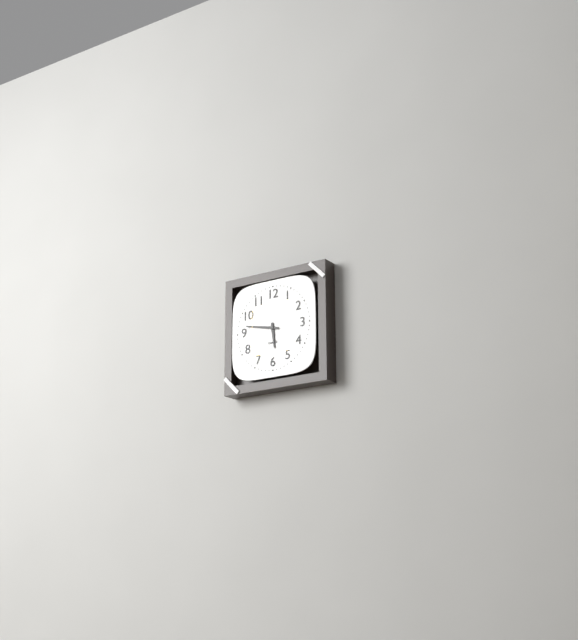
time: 5:47
